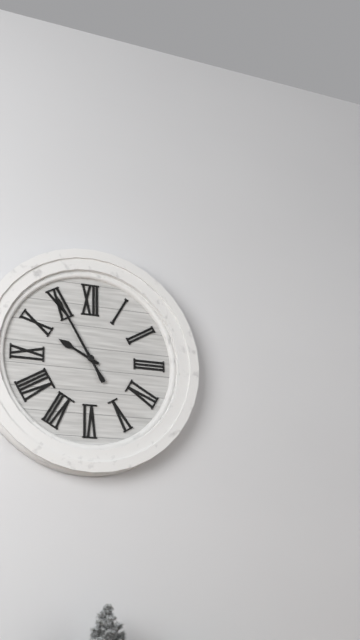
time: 9:55
